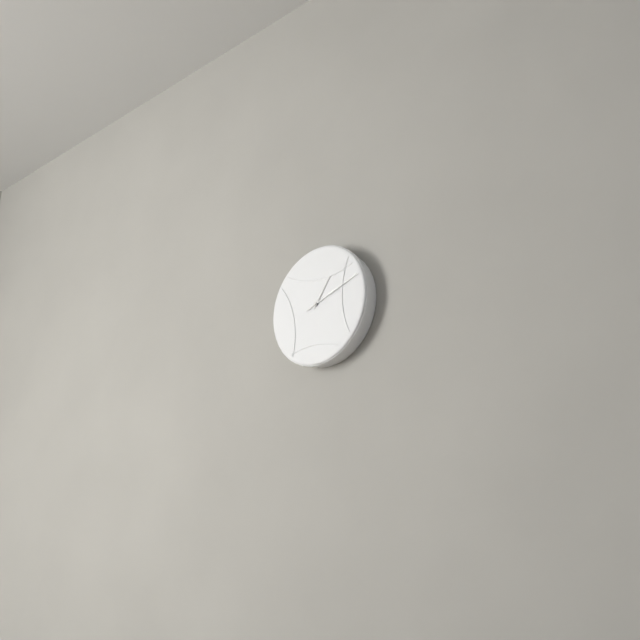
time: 1:12
